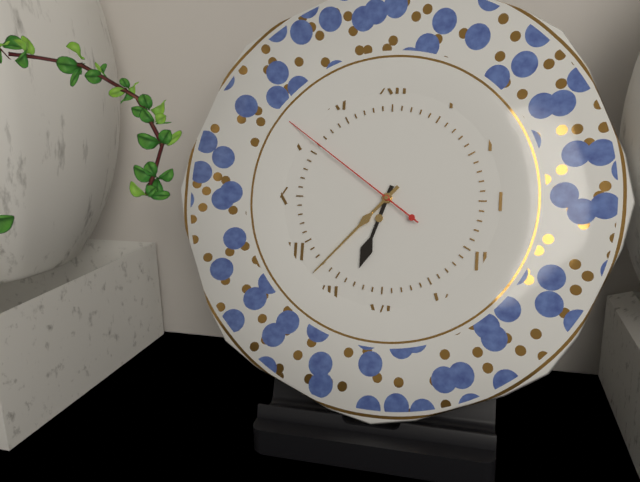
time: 6:37:51
